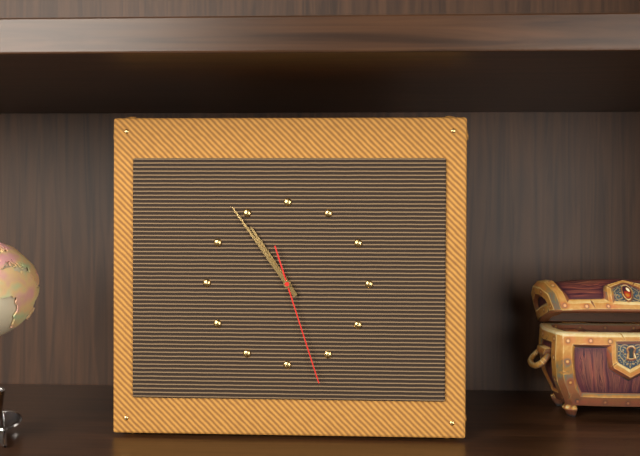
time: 10:54:27
